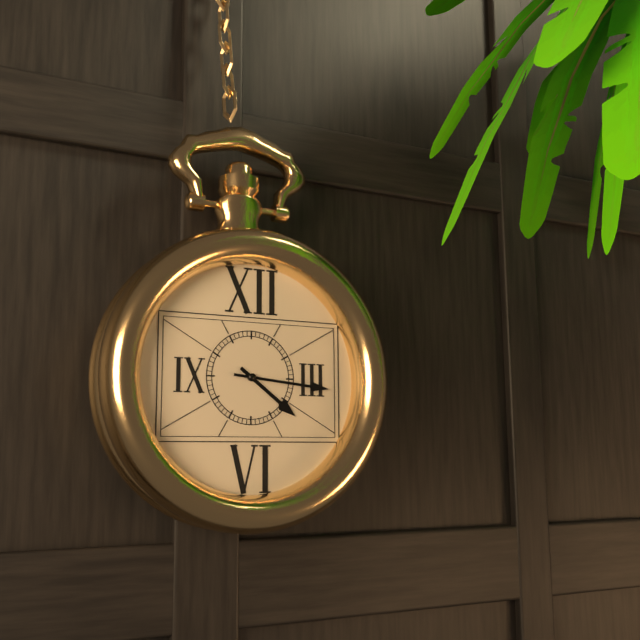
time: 4:16
